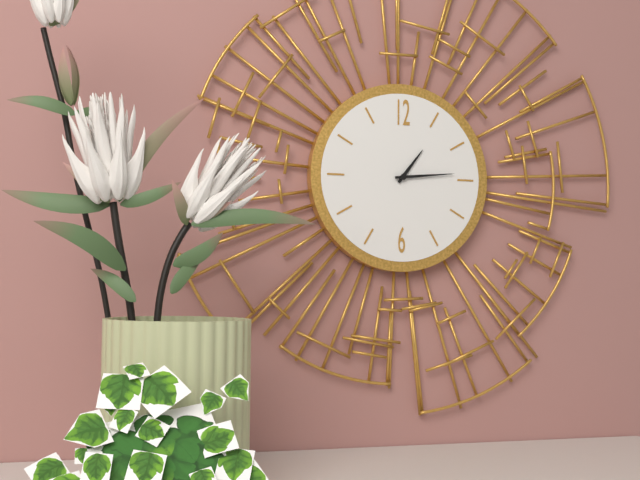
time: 1:14
